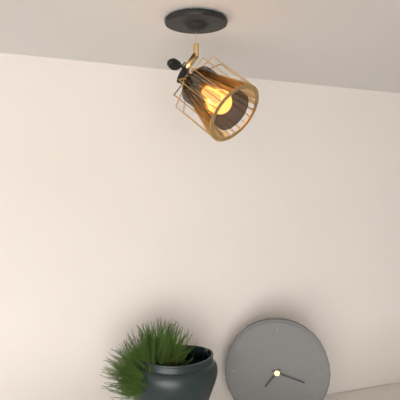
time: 7:18
